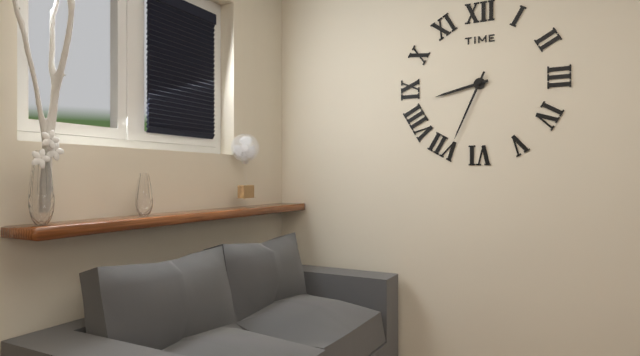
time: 8:34
